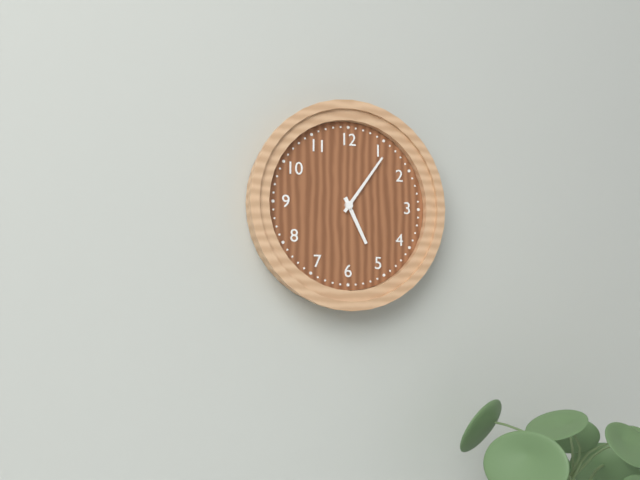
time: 5:06
